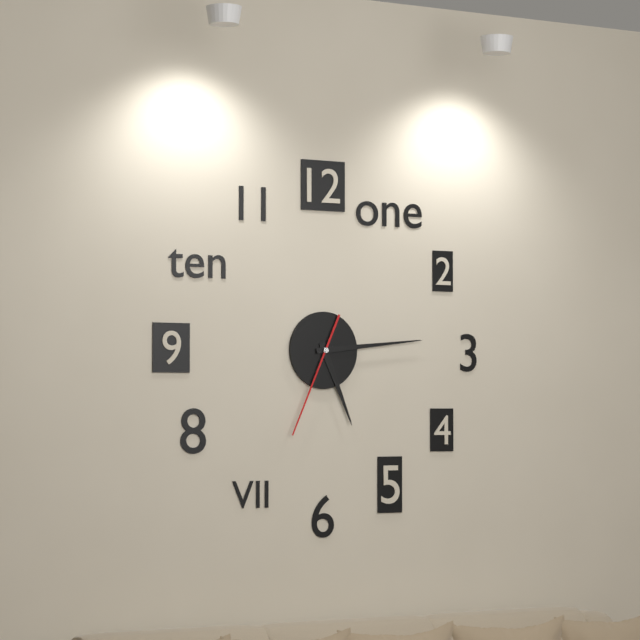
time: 5:14:34
